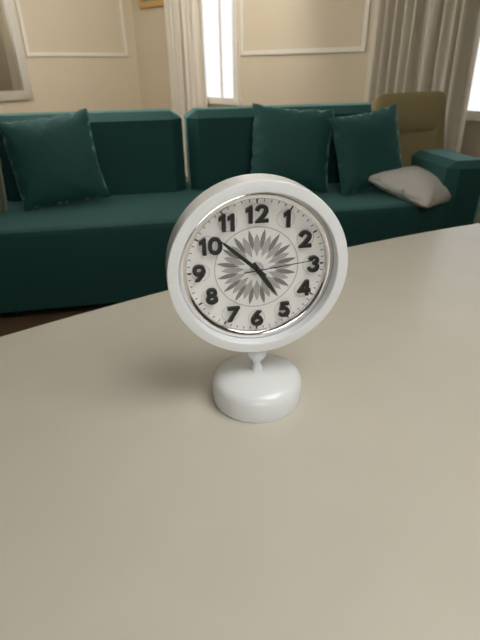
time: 4:52:14
